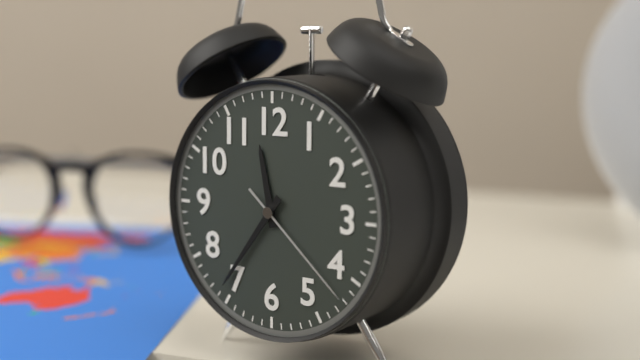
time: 11:36:22
